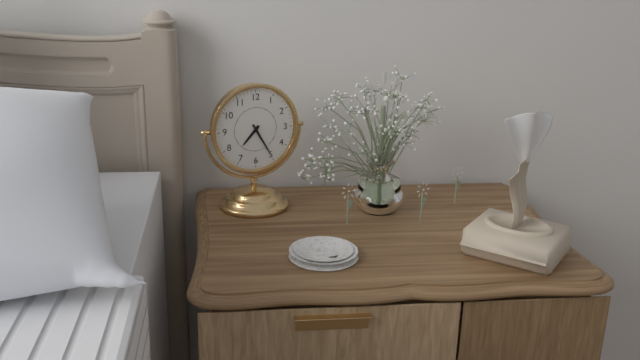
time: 7:25
